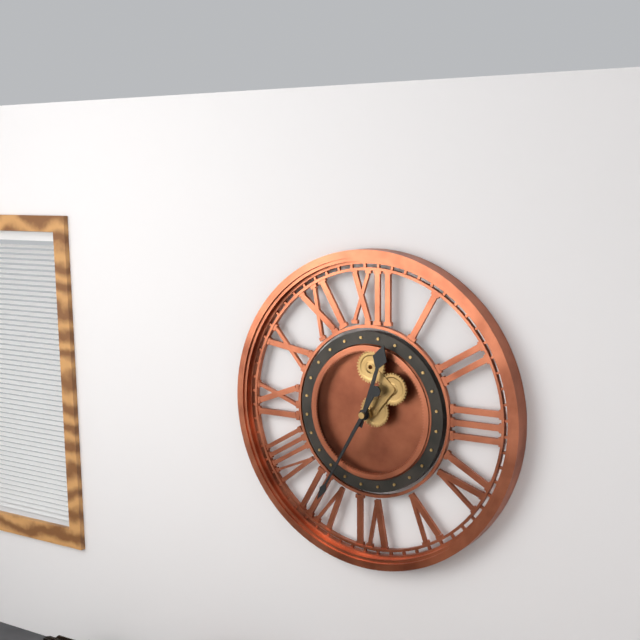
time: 12:35
